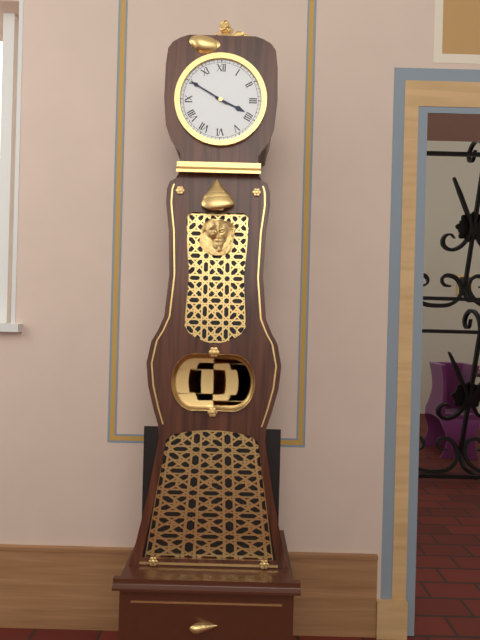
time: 3:50
